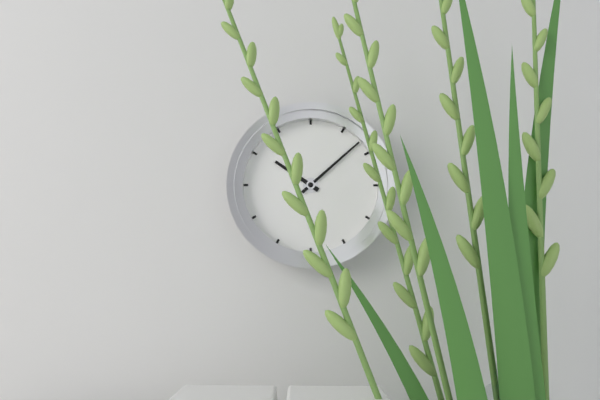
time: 10:08
